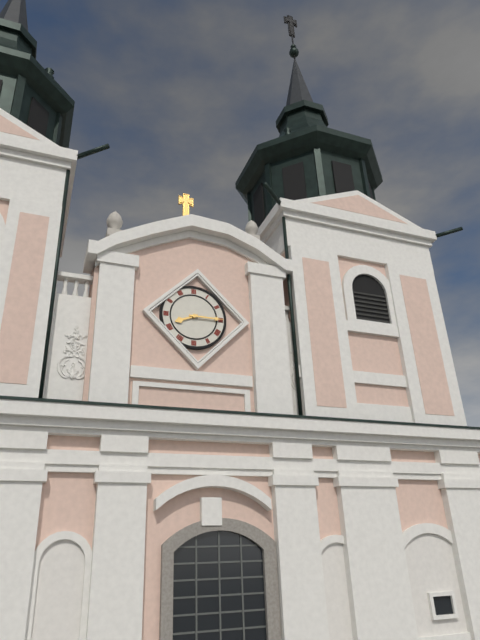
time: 8:15
